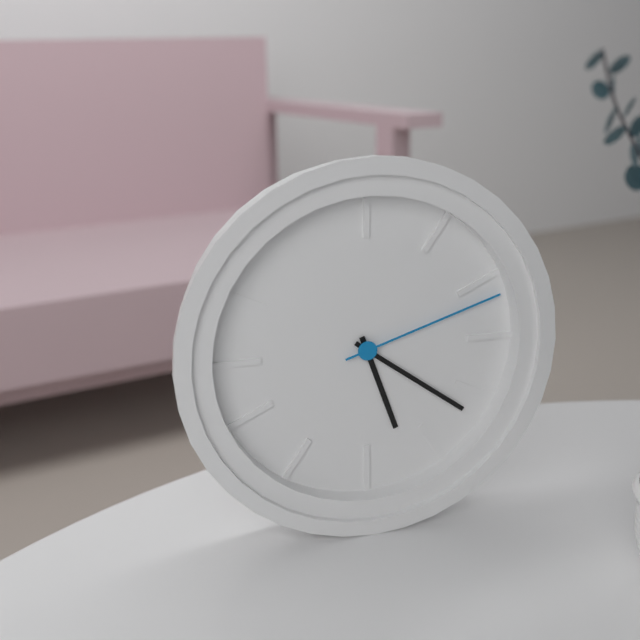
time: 5:21:12
